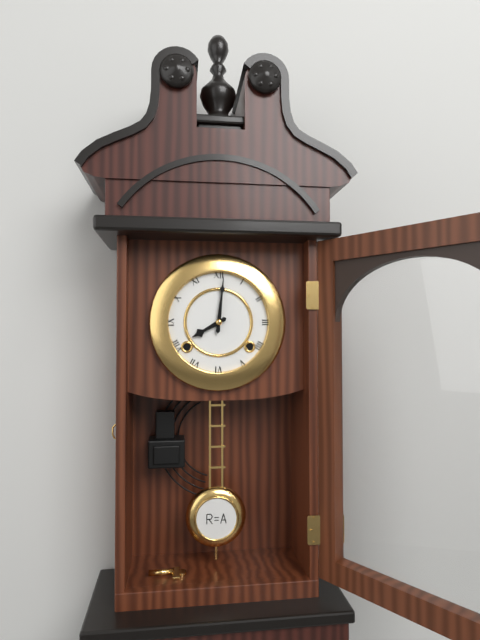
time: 8:01
